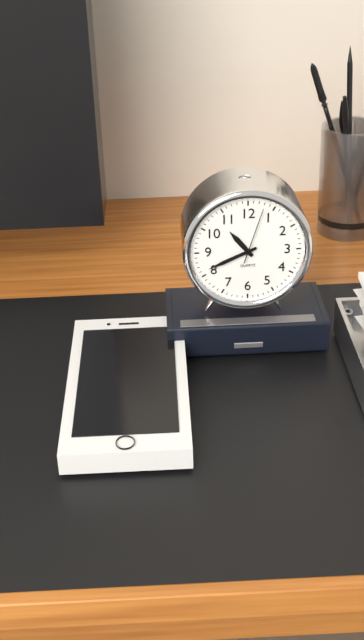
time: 10:41:03
